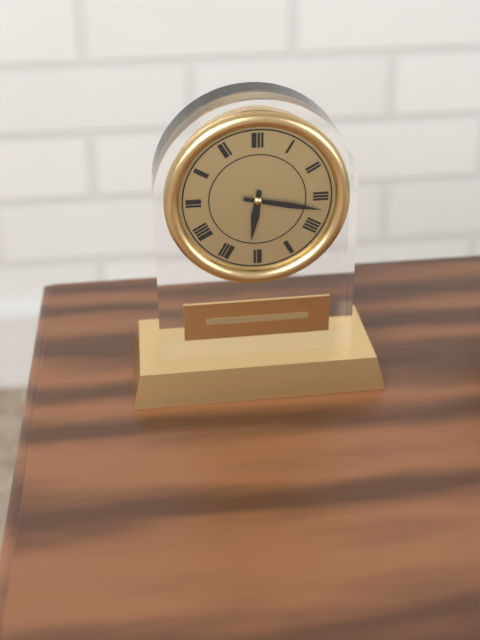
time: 6:17
